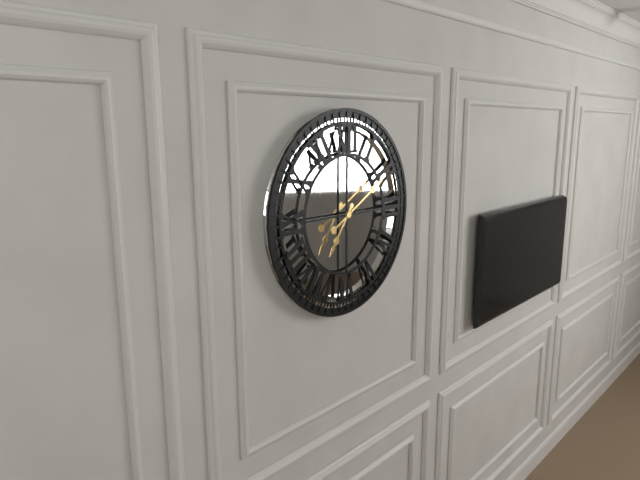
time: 7:10
